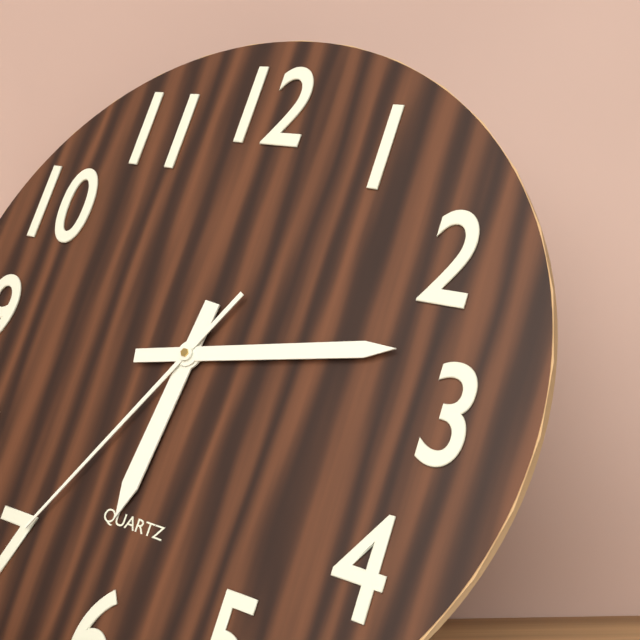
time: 6:13:35
